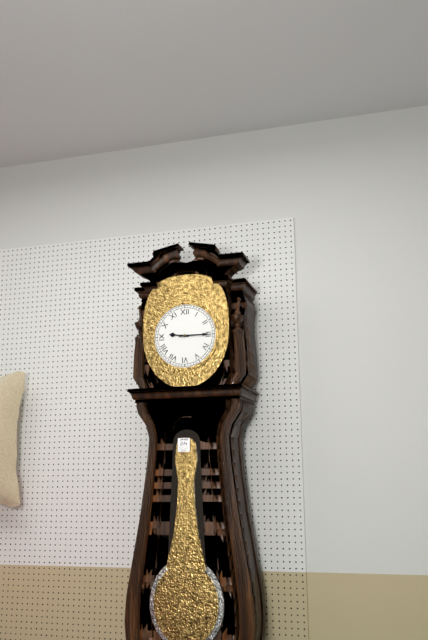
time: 9:15
